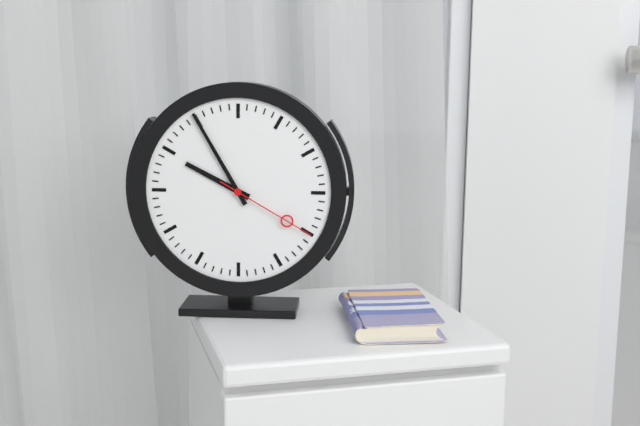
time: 9:55:20
